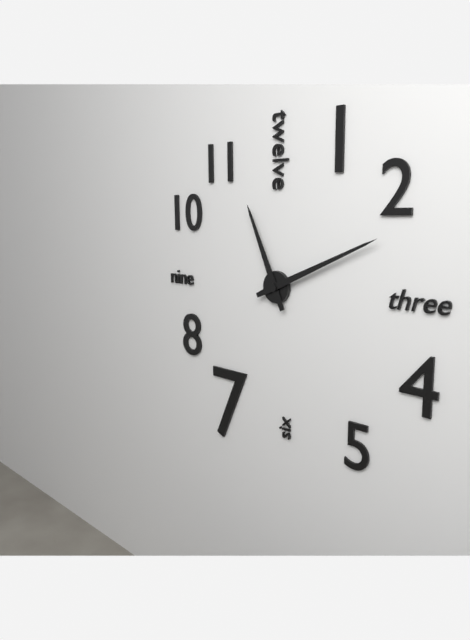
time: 11:11
